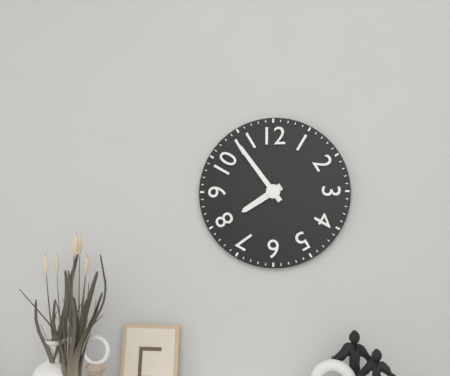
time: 7:54
